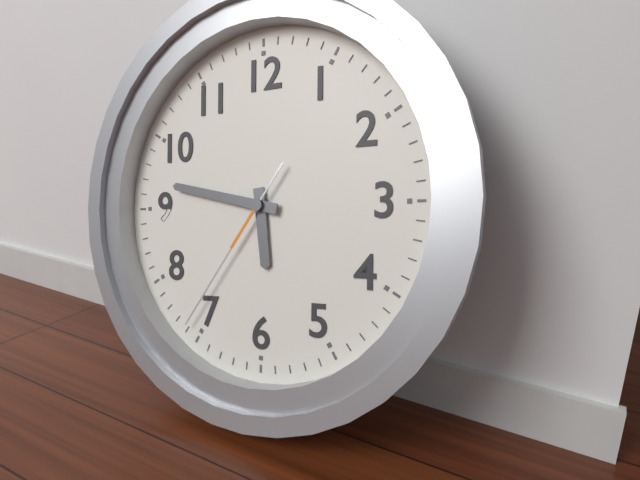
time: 5:47:36
